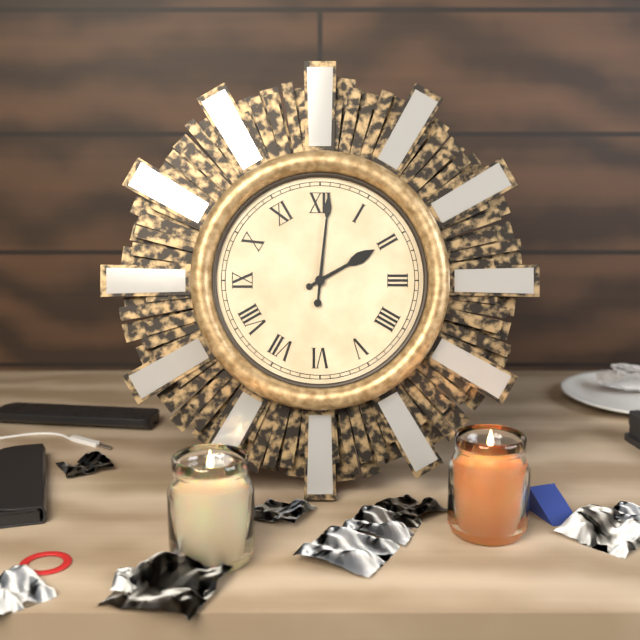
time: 2:01
